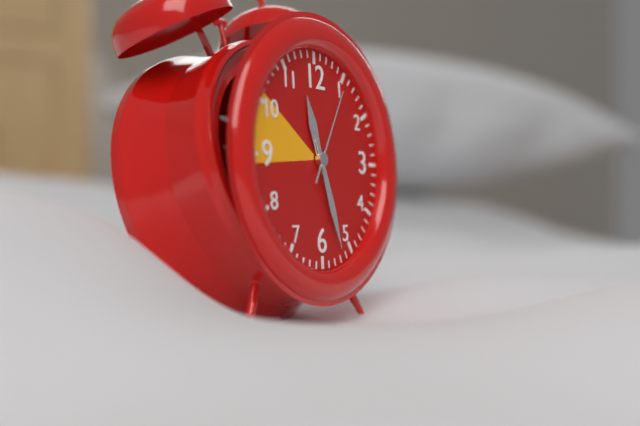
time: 11:27:05
